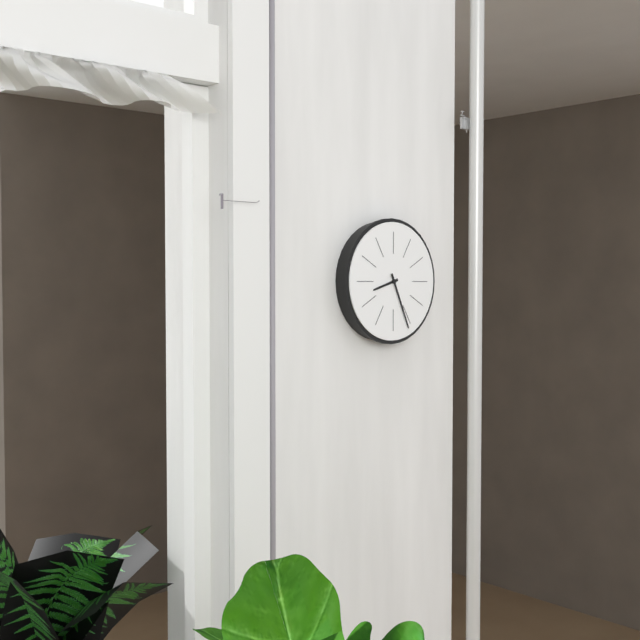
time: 8:26
